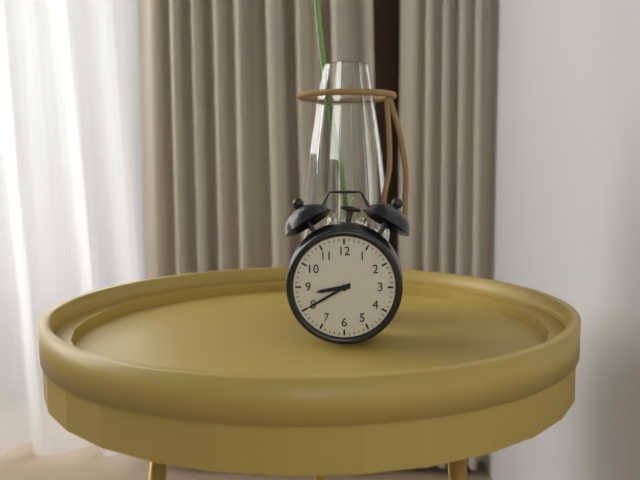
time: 8:40
